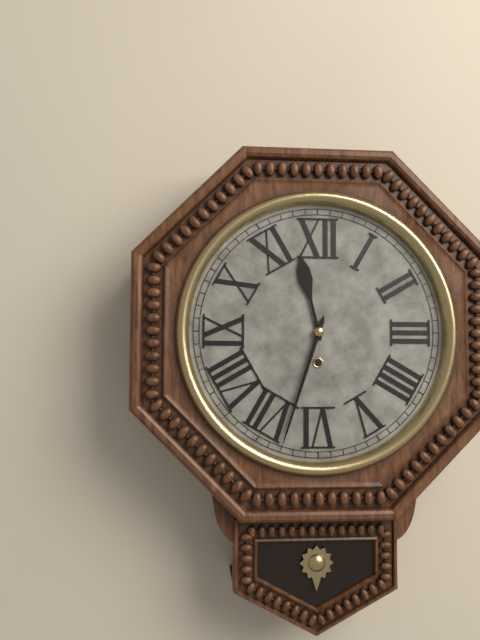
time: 11:33
